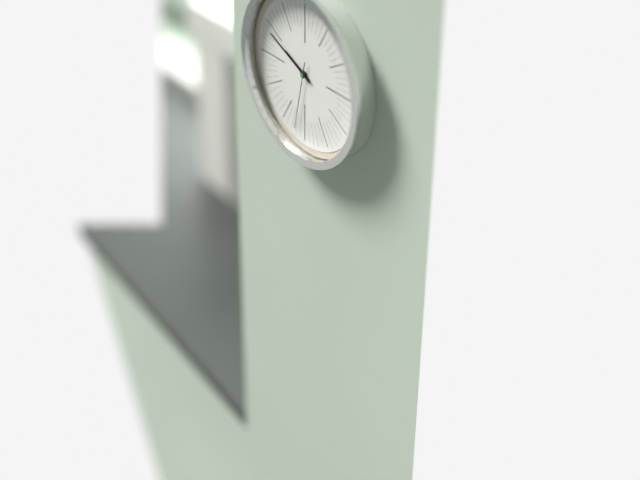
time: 9:49:32
